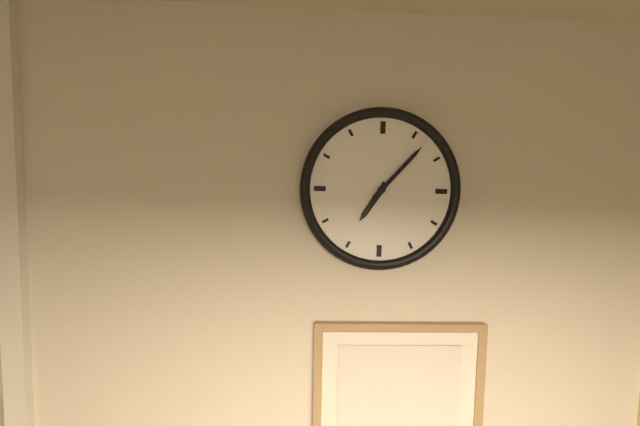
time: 7:07
